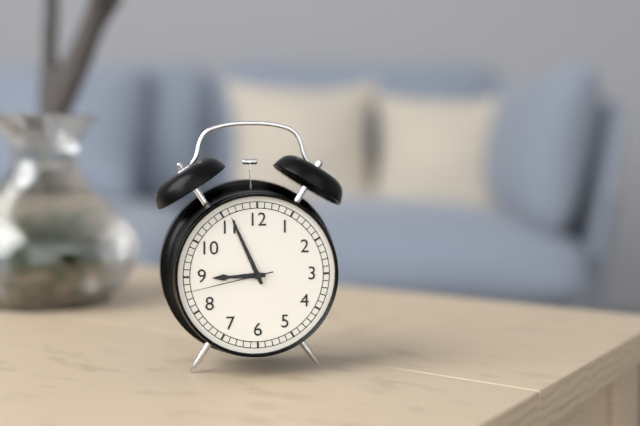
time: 8:56:43
